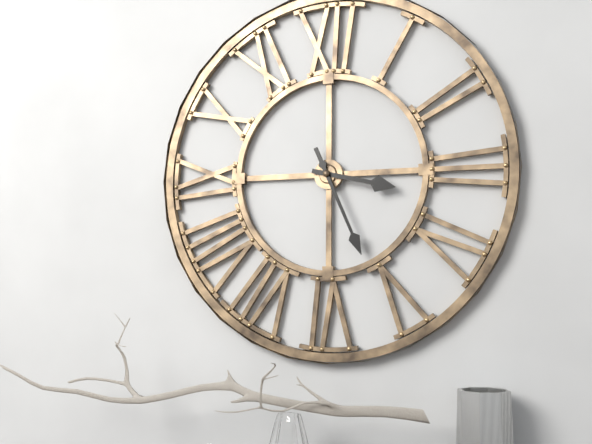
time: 3:26
